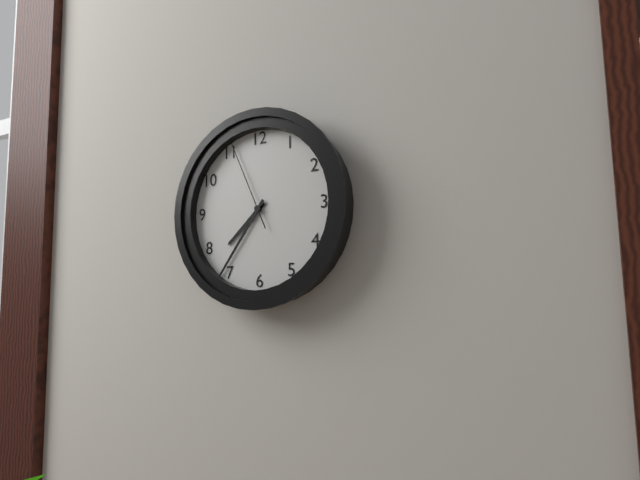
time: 7:36:56
